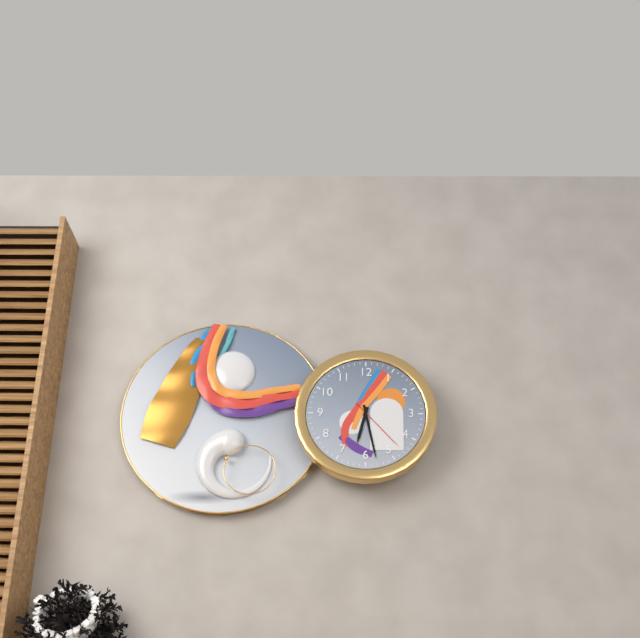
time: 6:28:23
